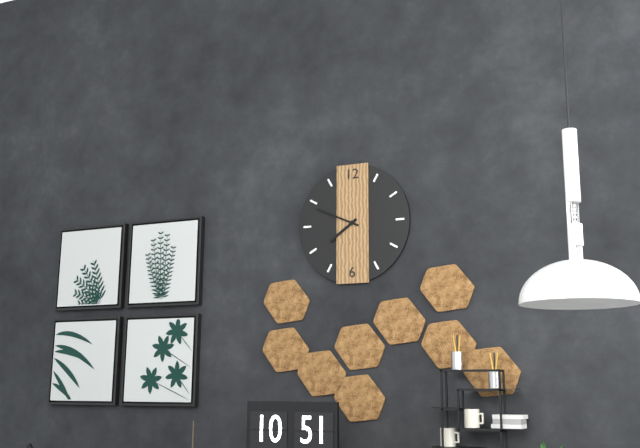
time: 7:49
